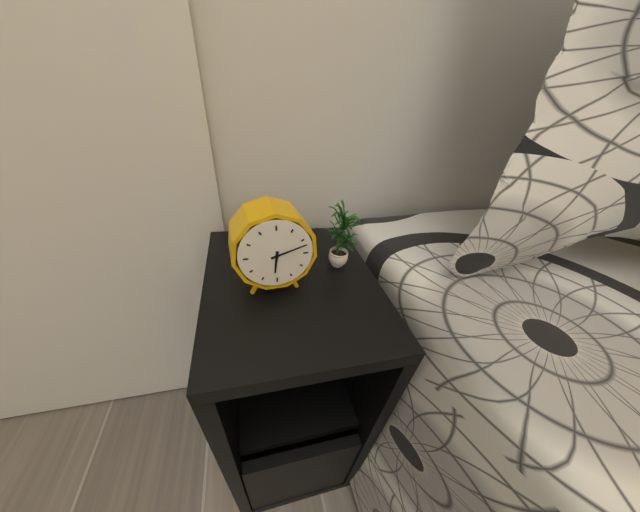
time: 6:12
